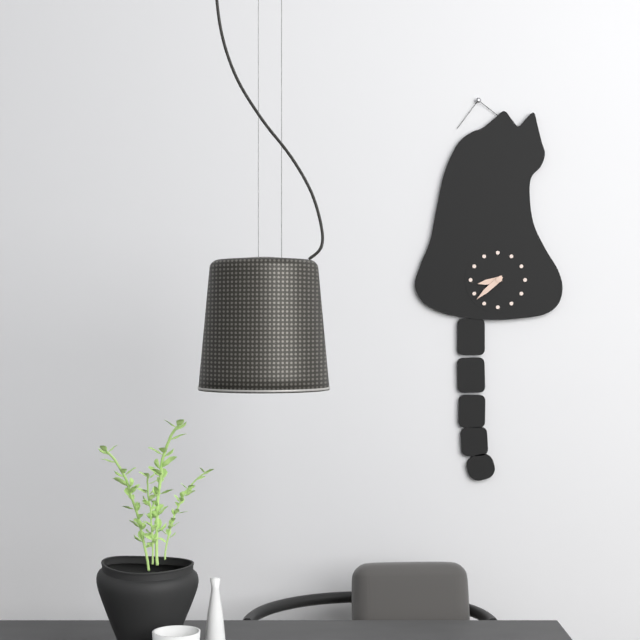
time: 8:38
